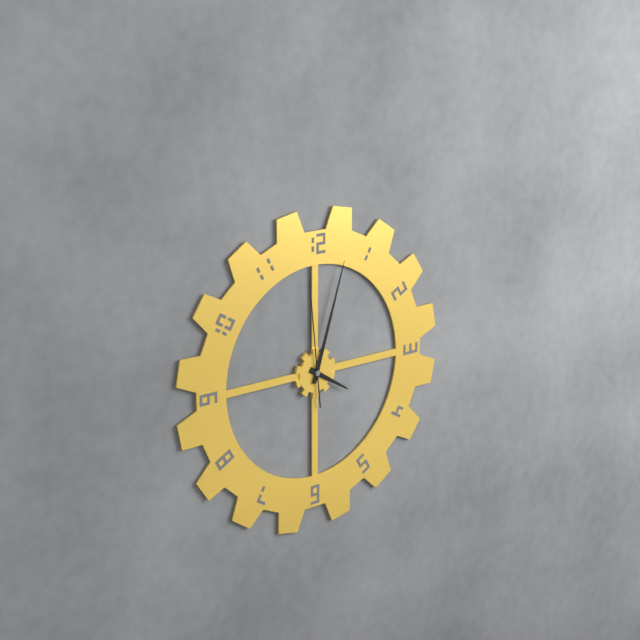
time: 4:03:59
